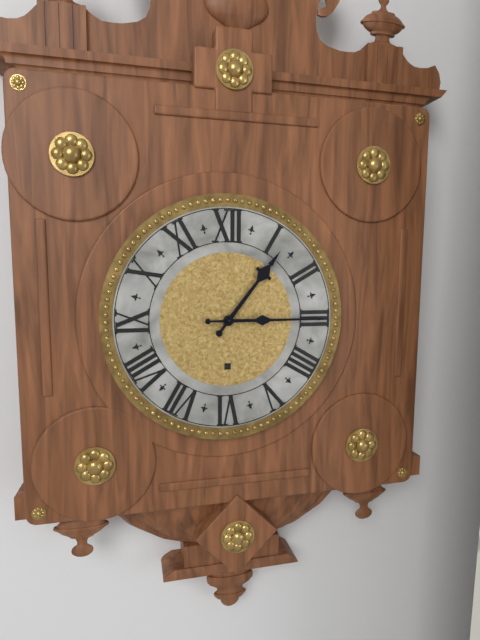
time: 1:15
